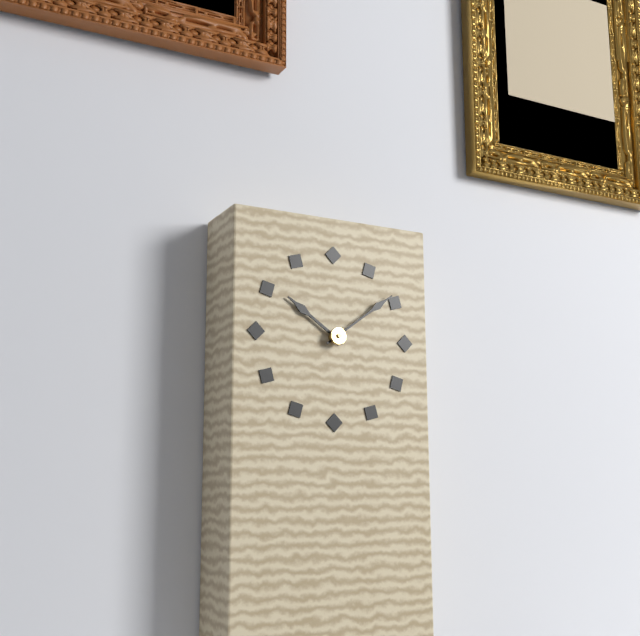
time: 10:09
